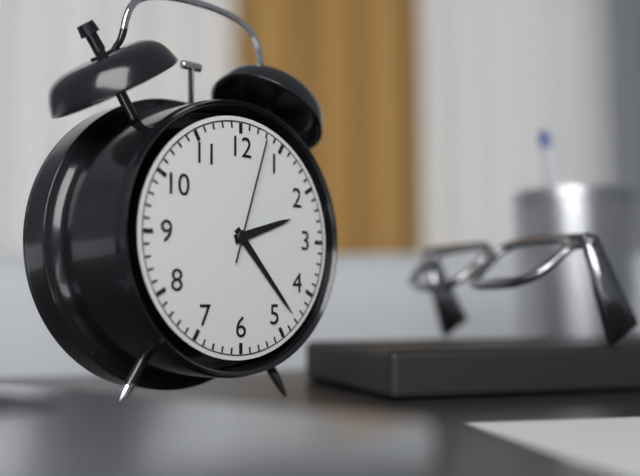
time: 2:23:03
